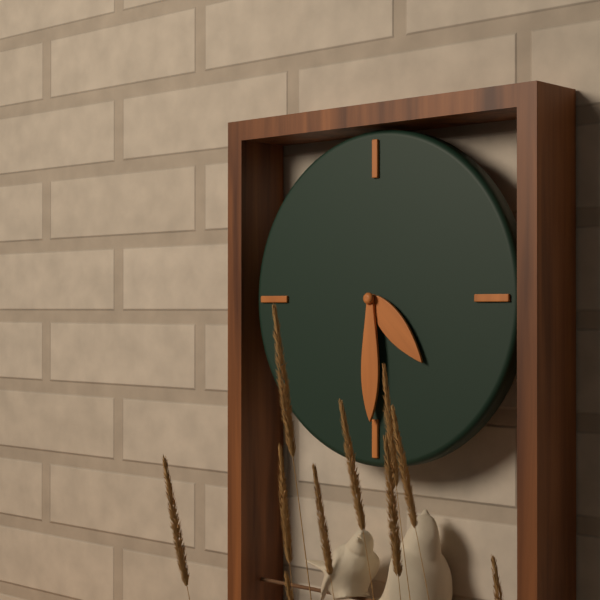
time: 4:30
